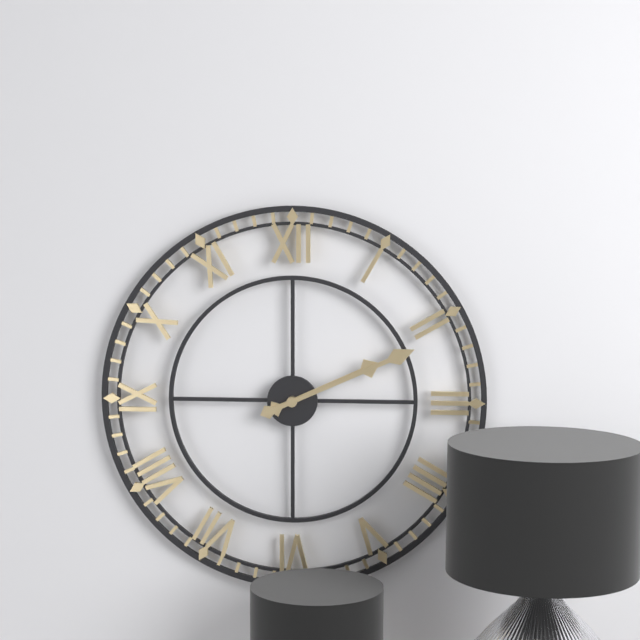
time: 2:11
